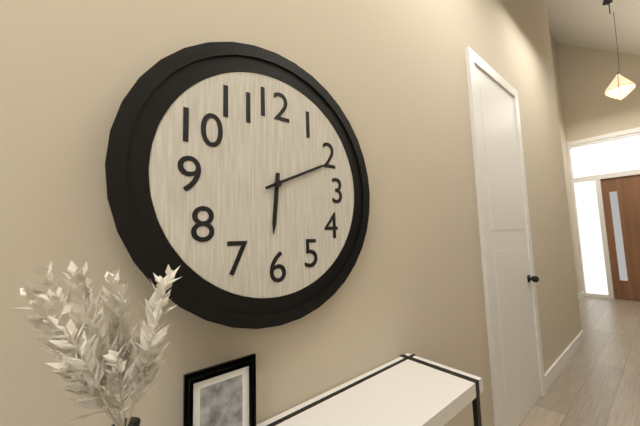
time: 6:11
